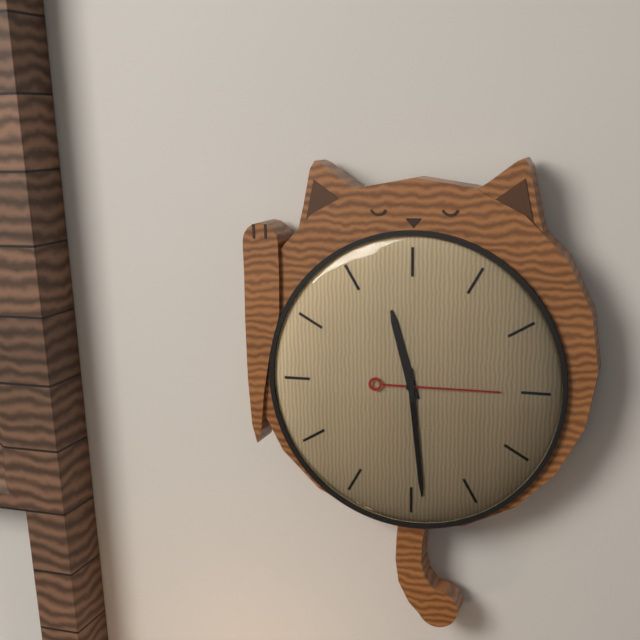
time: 11:29:15
